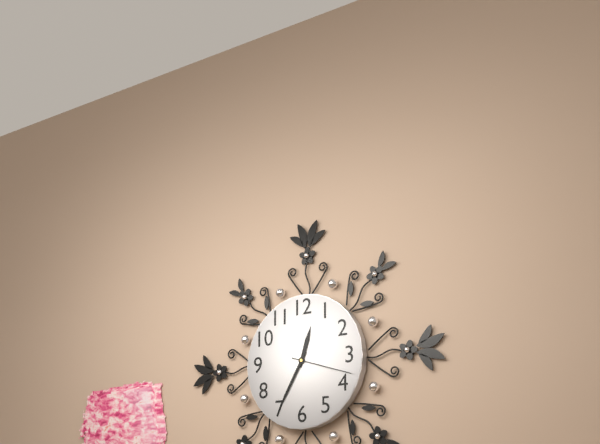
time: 12:35:18
